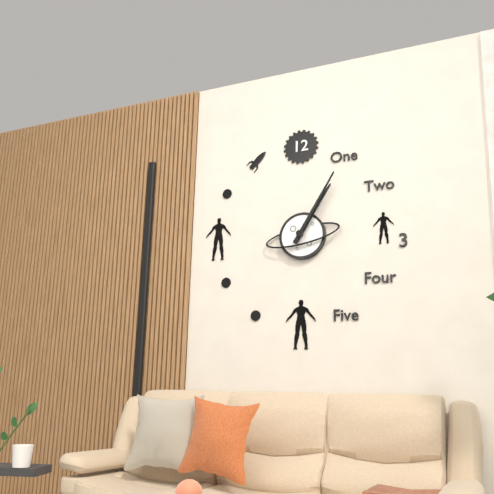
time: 1:05
